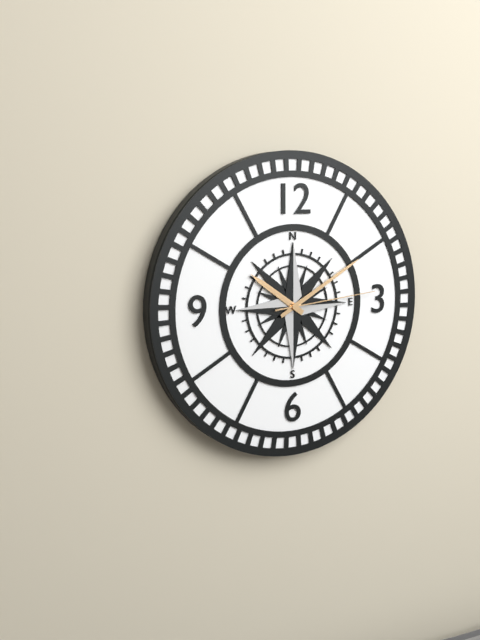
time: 10:10:14
